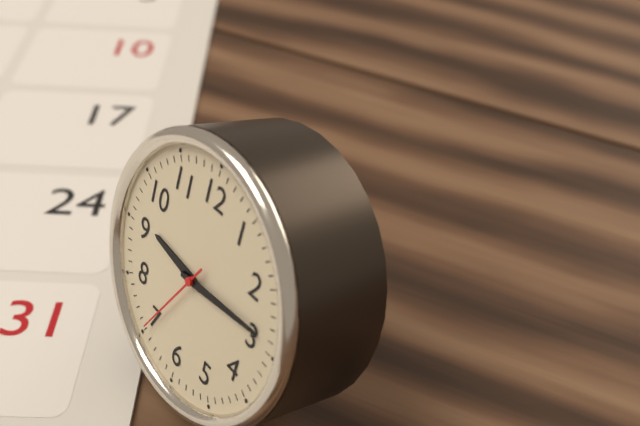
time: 9:14:35
